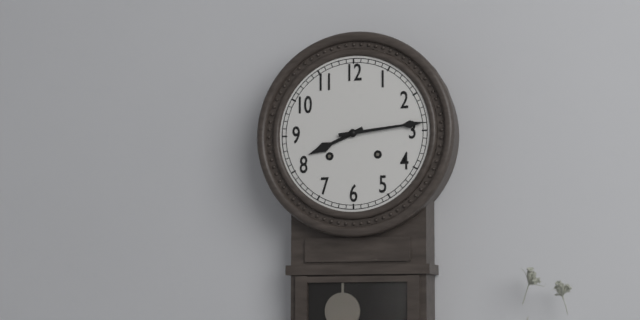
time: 8:14
